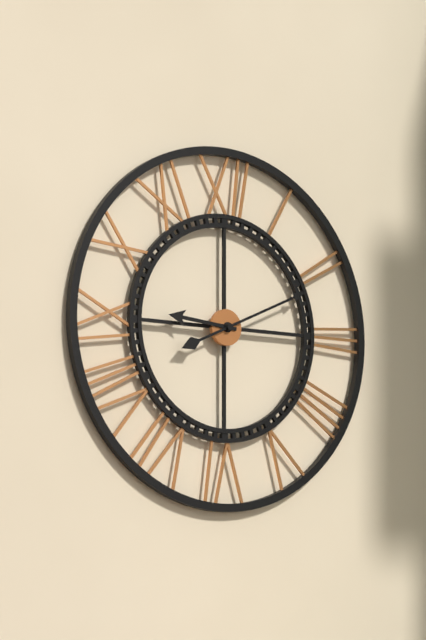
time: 9:11
